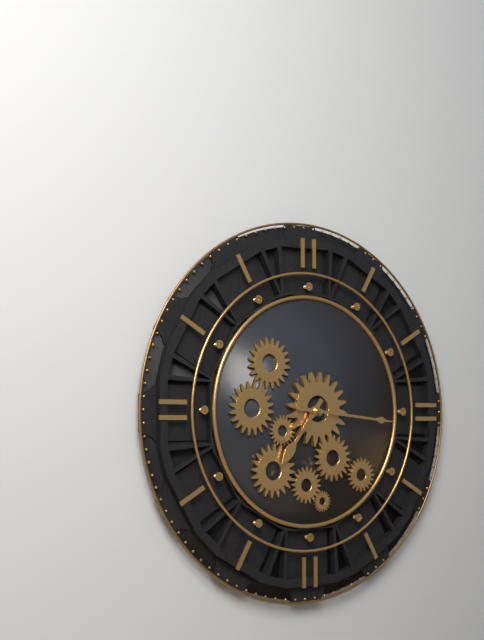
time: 7:16
